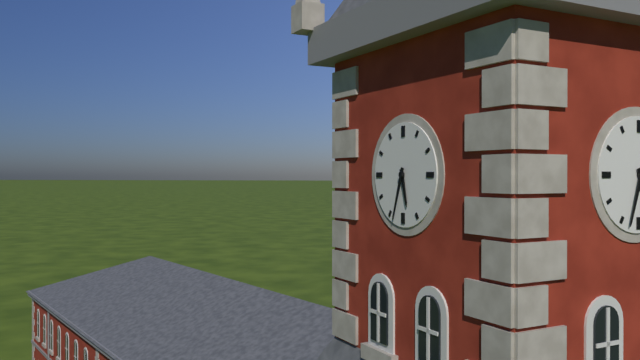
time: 5:33
